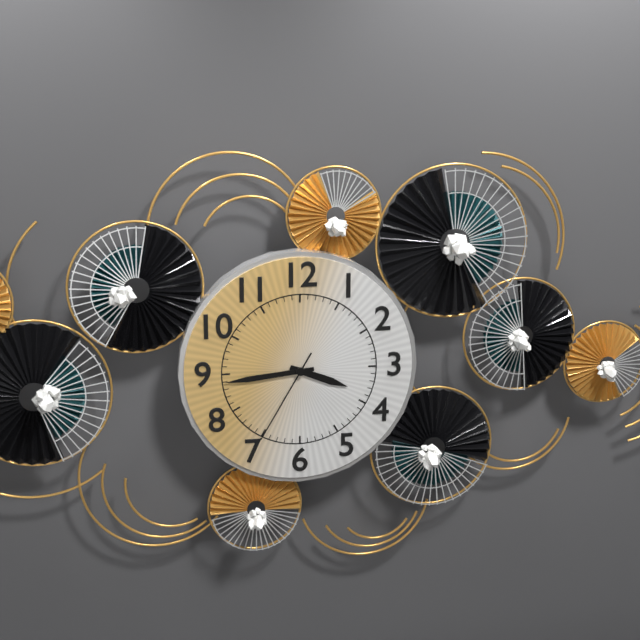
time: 3:44:35
